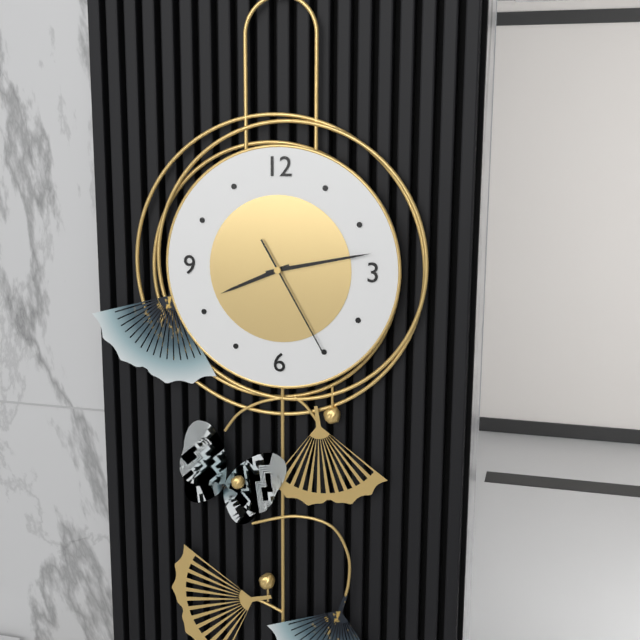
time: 8:13:25
